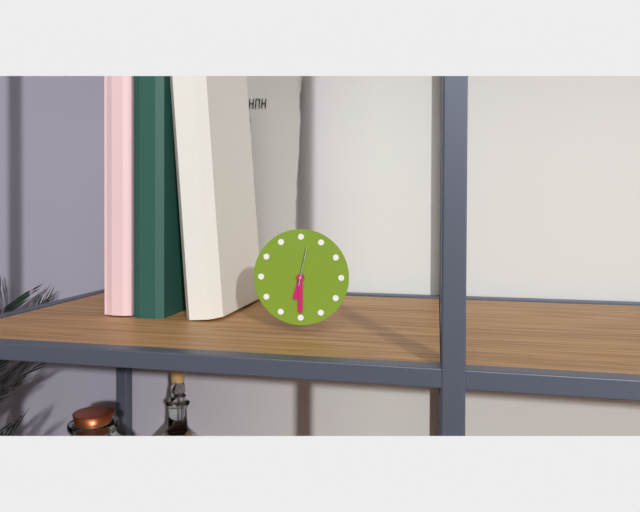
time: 6:30
